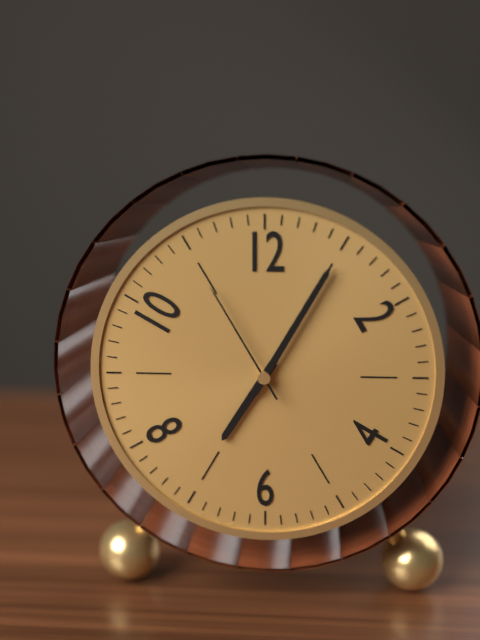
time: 7:05:55
